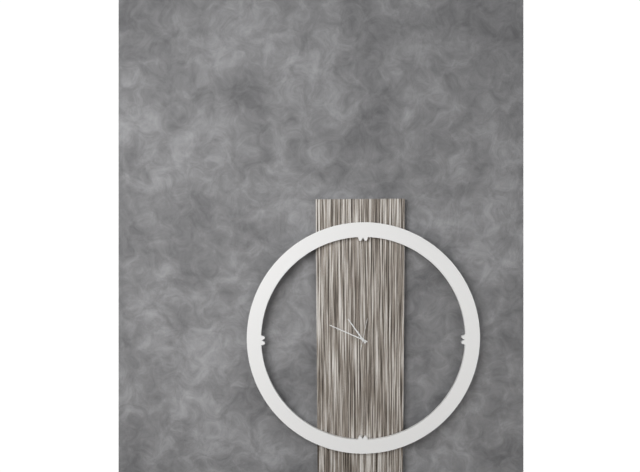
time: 10:49
